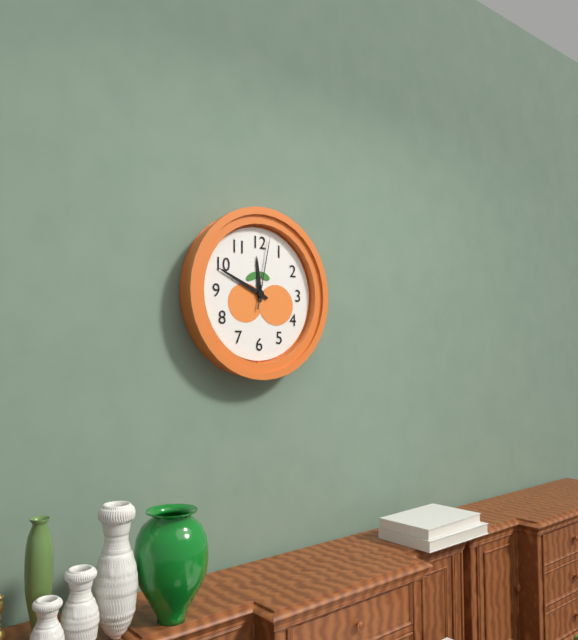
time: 11:49:02
